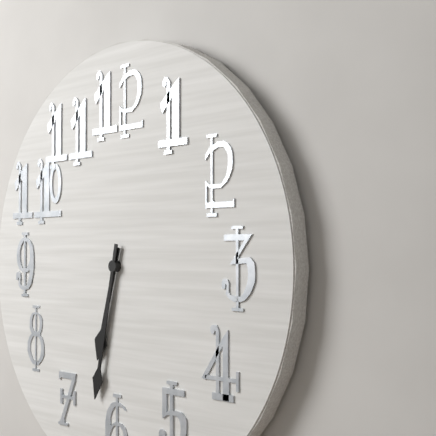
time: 6:32
